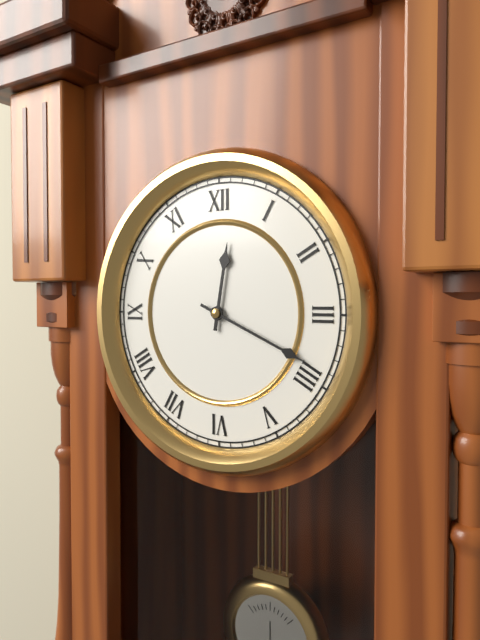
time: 12:19
